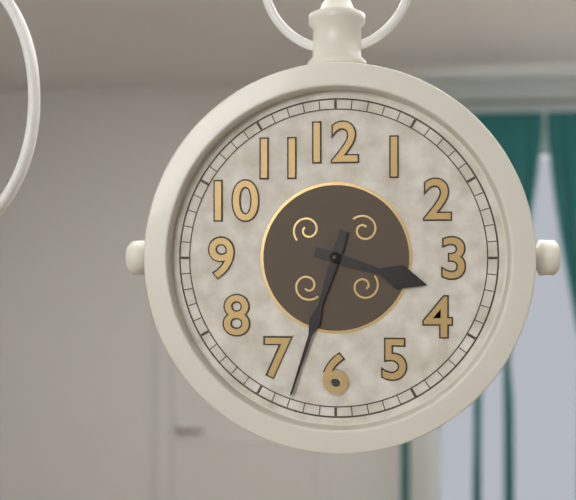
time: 3:33
